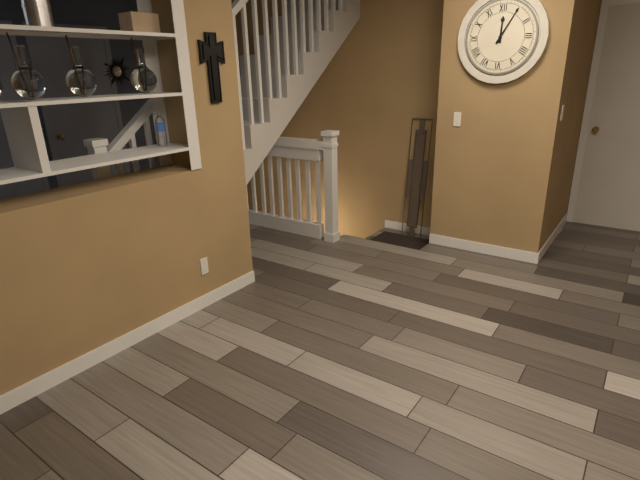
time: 12:05
